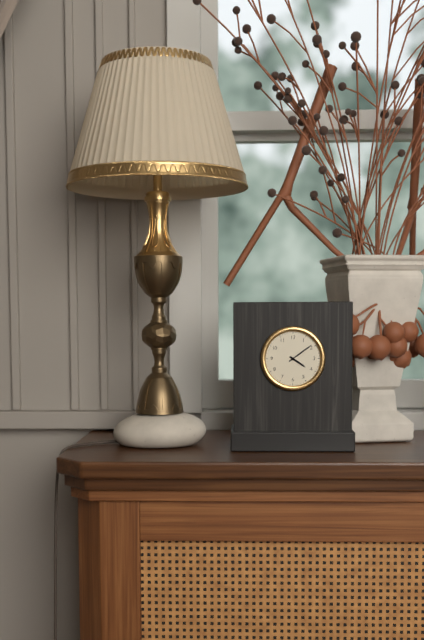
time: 4:09
